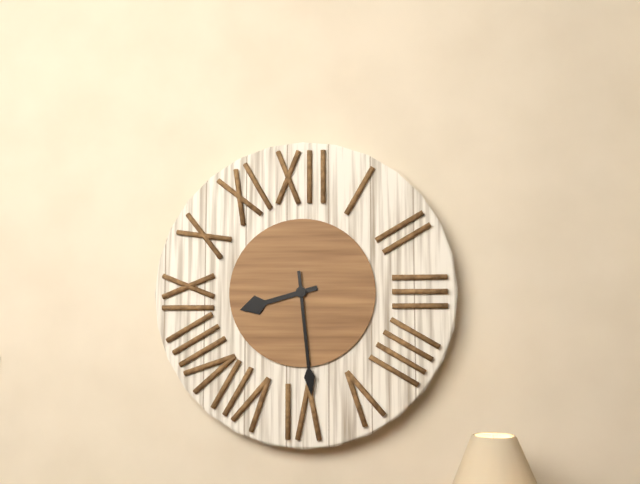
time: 8:29
